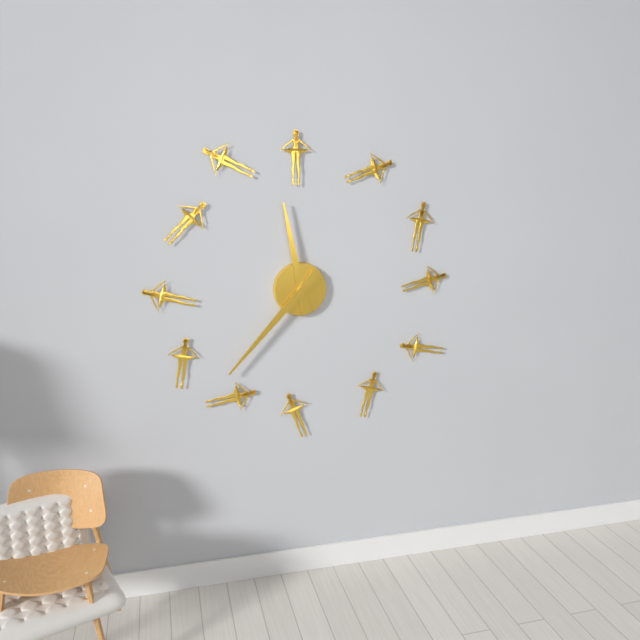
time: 11:37
